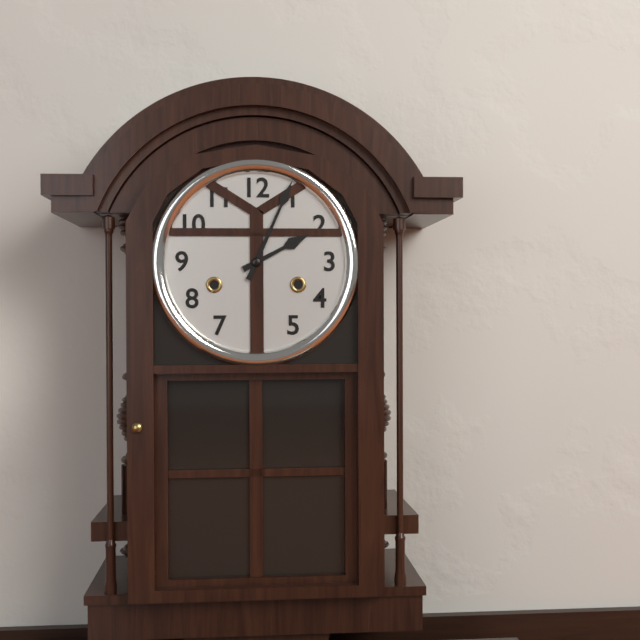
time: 2:04
